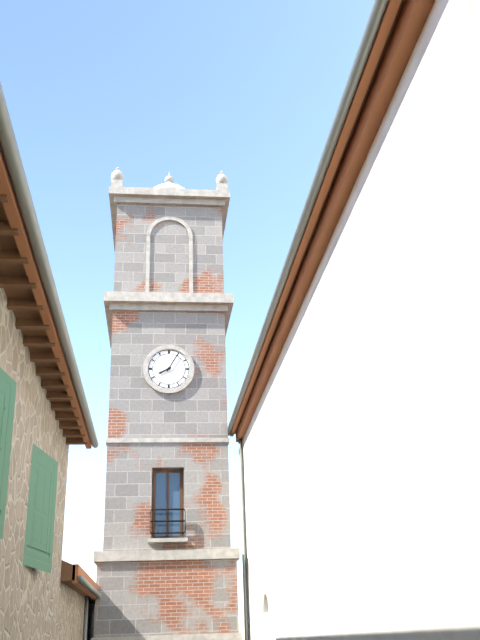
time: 8:05
